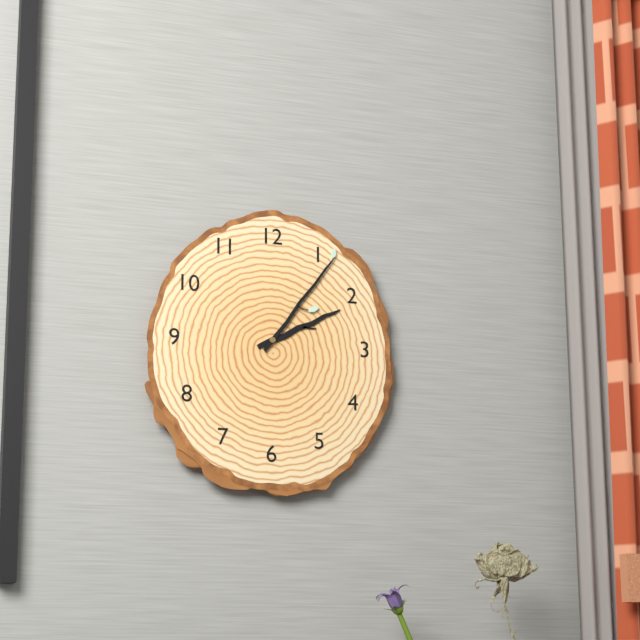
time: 2:06
